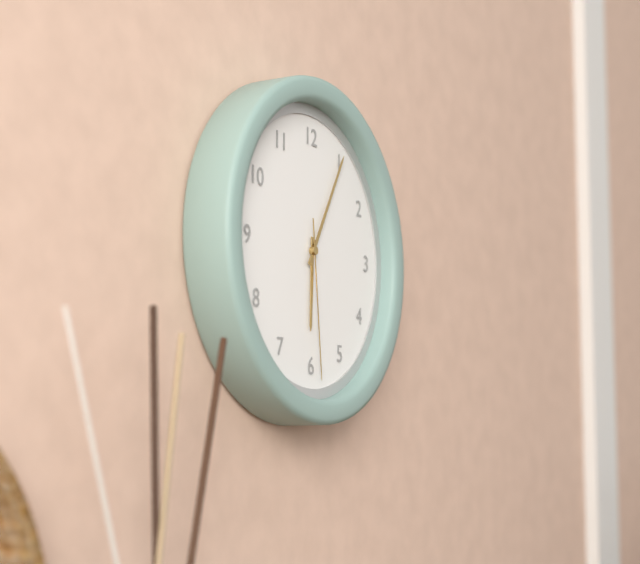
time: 6:05:29
